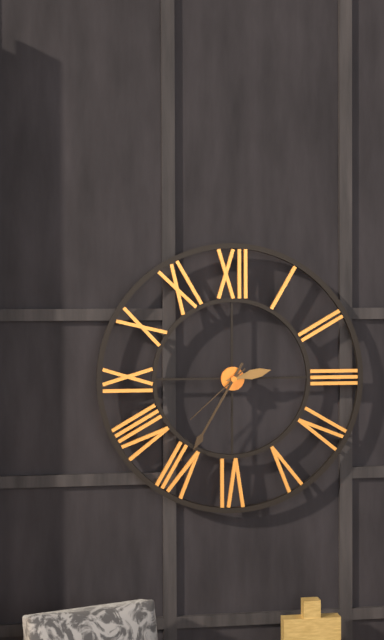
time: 2:35:38
